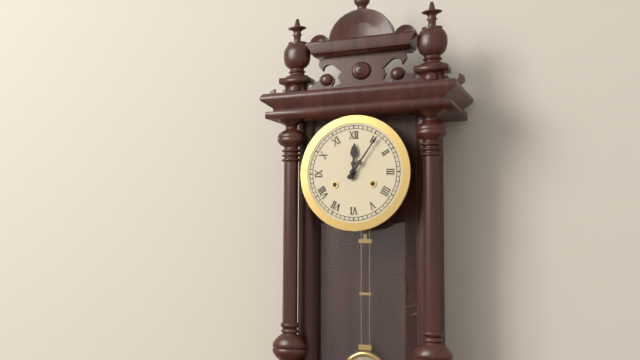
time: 12:06
